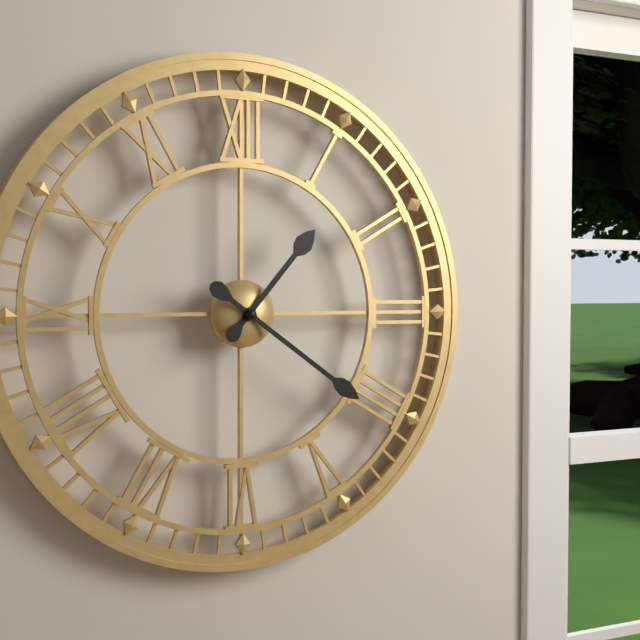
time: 1:21
